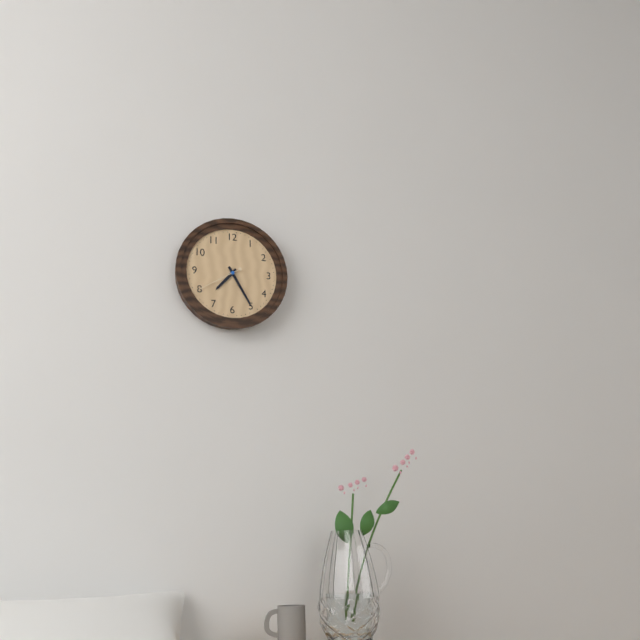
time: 7:25
